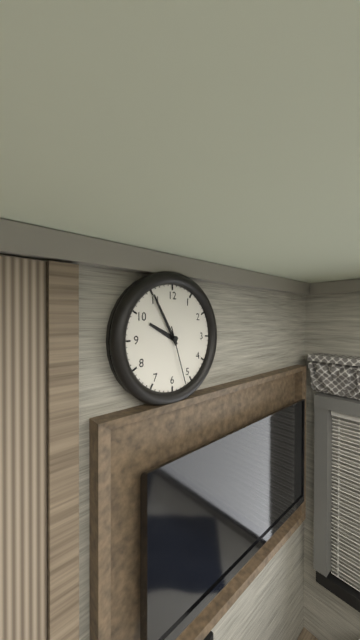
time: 9:55:27
